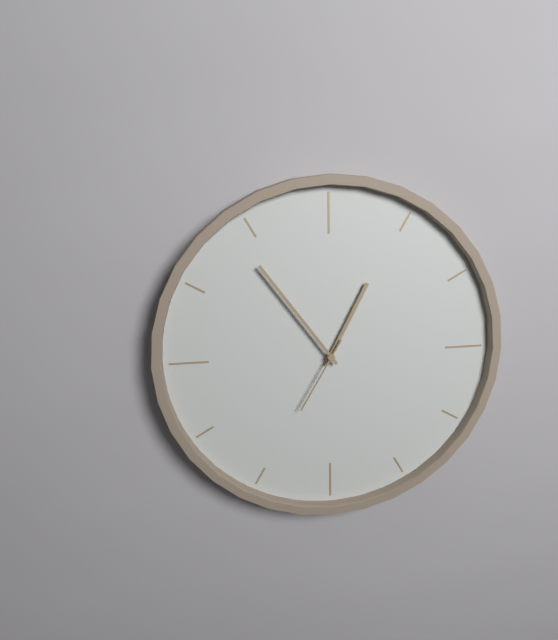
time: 12:54:35
